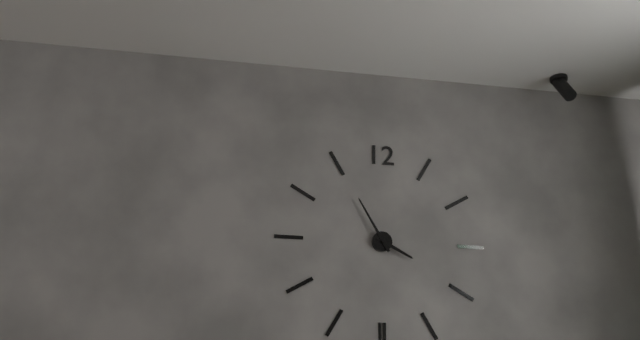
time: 3:55
